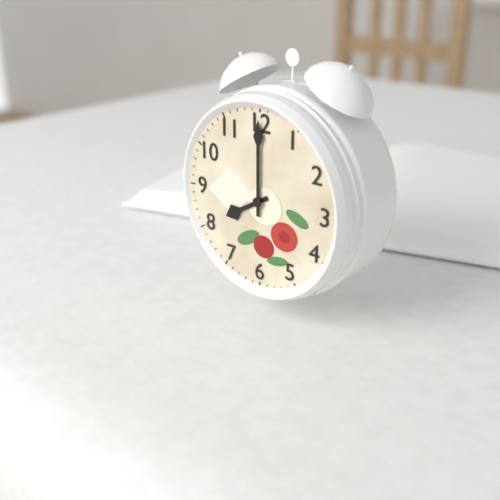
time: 8:00
